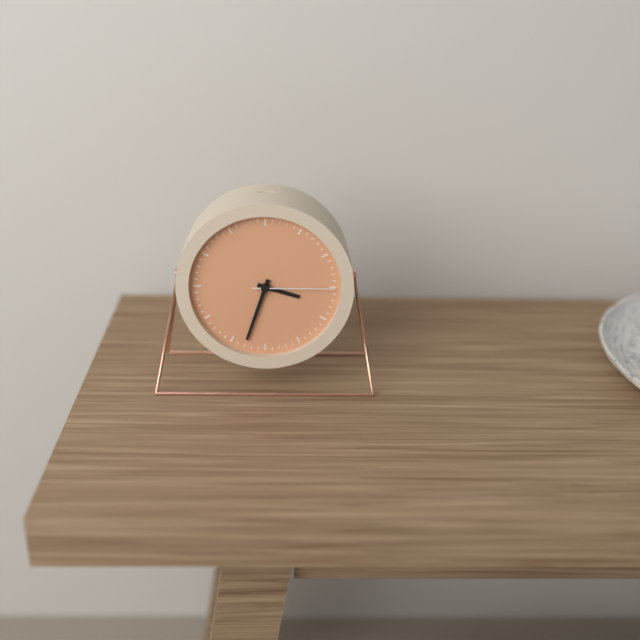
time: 3:33:15
